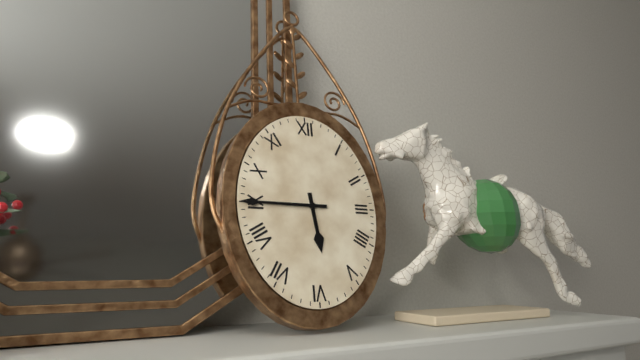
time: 5:45
